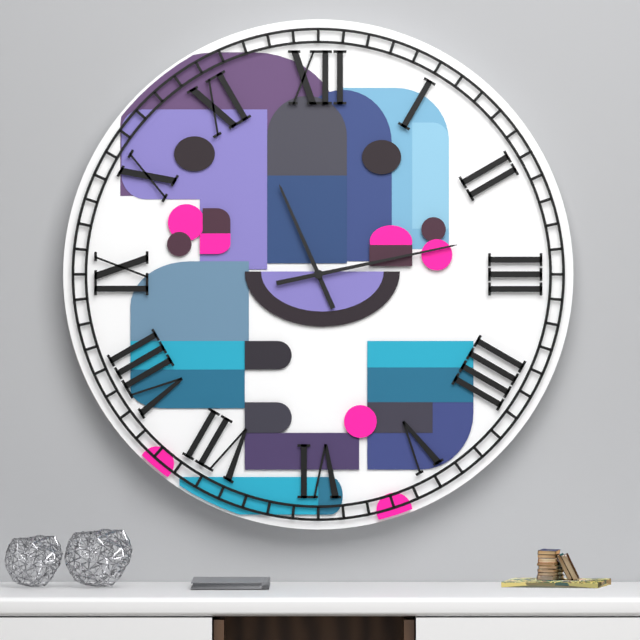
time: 11:13
